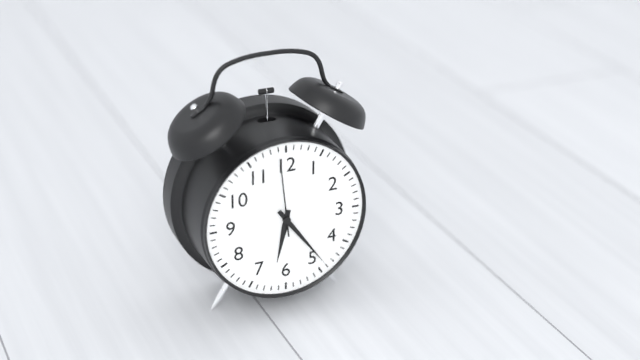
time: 6:24:59
